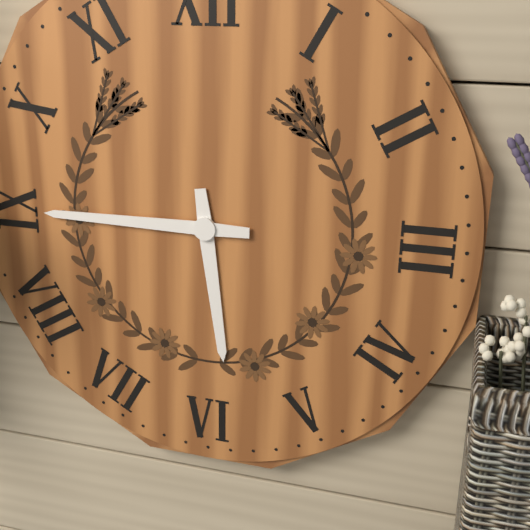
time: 5:45
